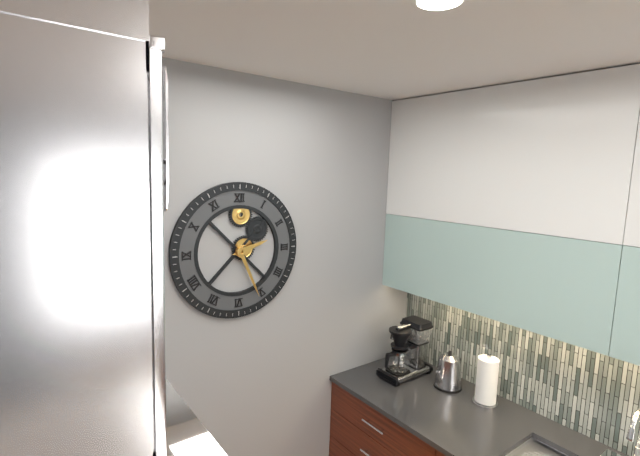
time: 2:26
